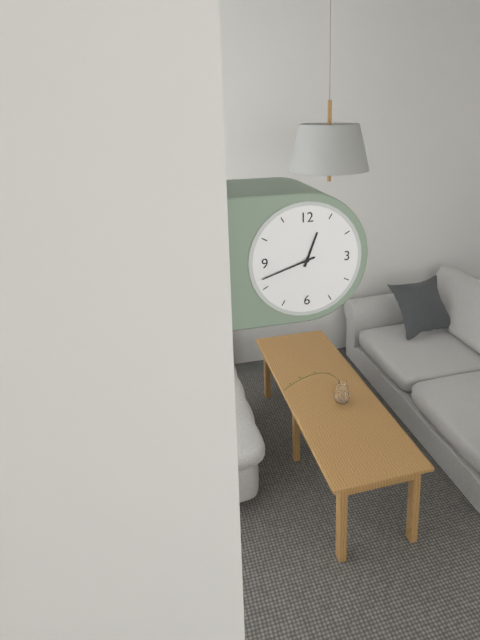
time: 12:42
